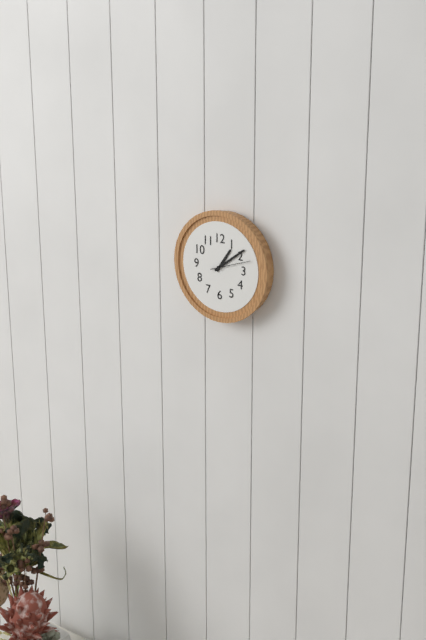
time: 1:09
